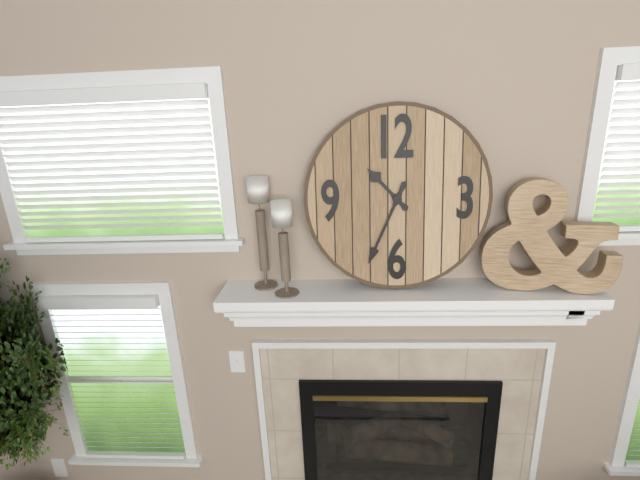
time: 10:34
